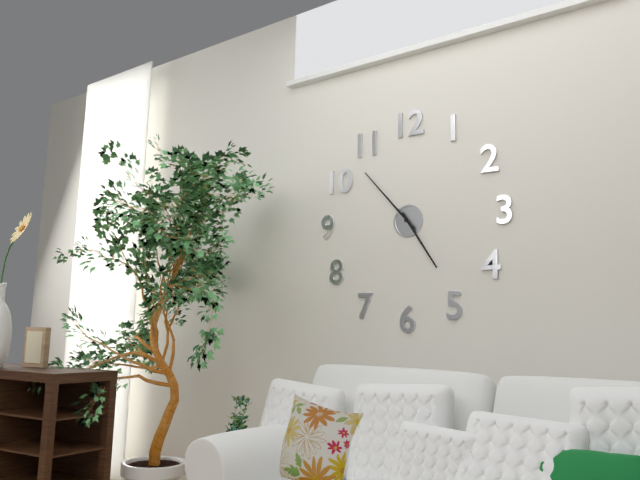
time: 4:53
